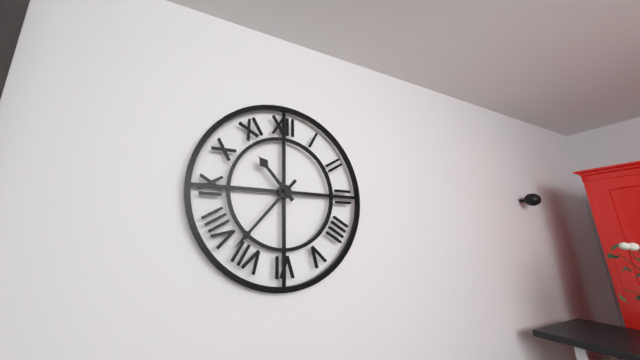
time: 10:37
